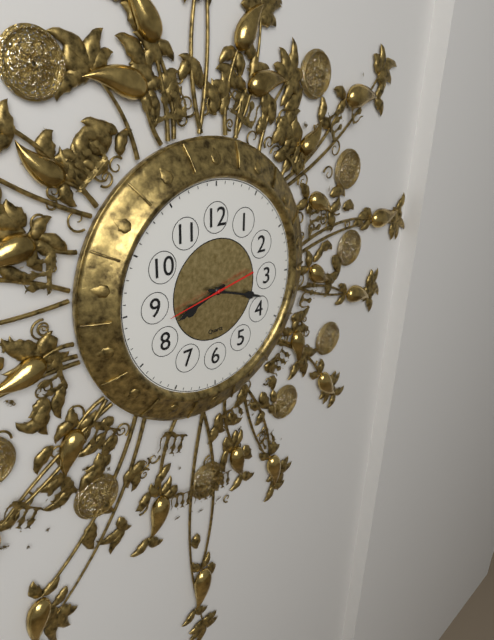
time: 8:18:43
